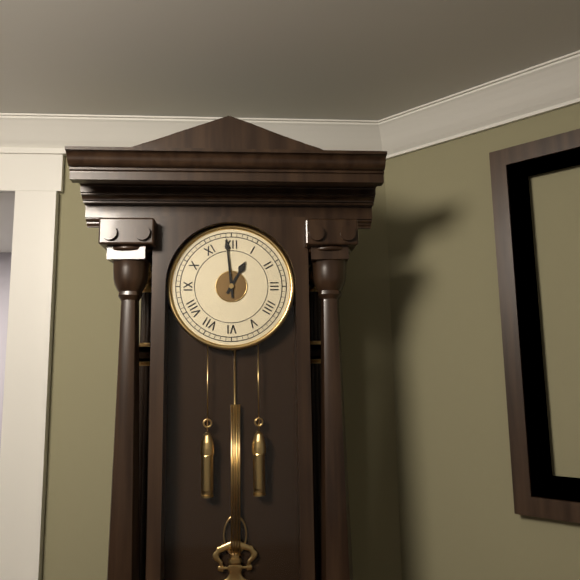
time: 12:59
